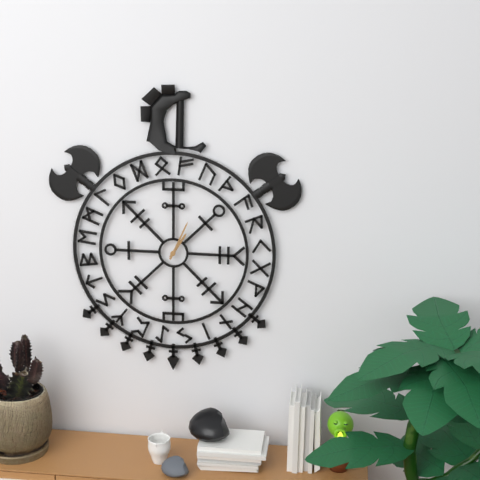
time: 1:04
